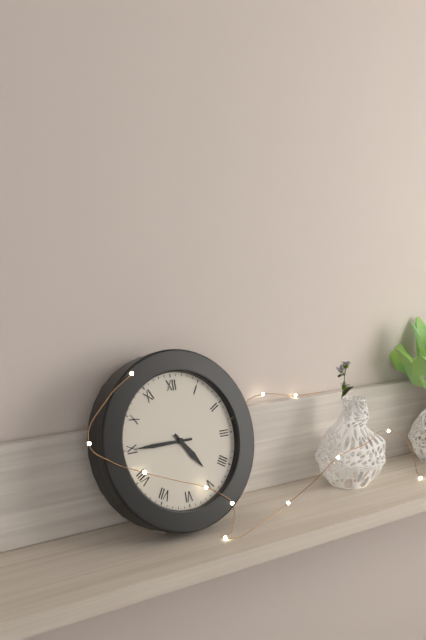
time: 4:45
